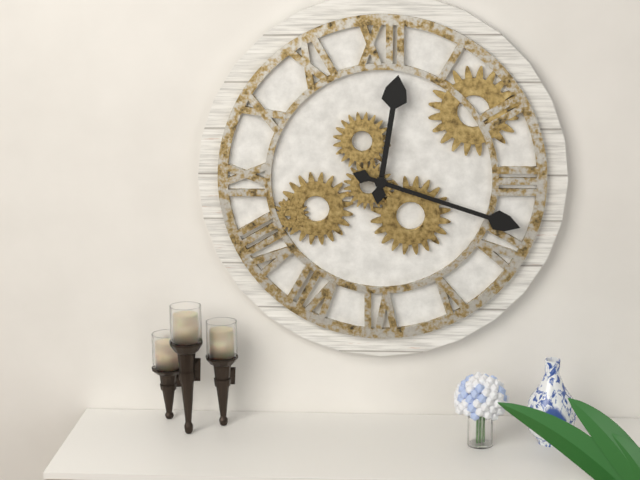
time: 12:18
